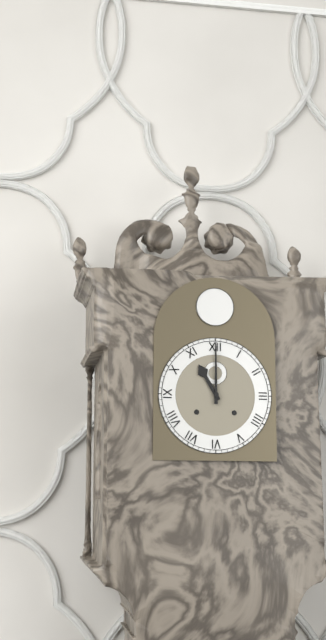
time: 11:00
